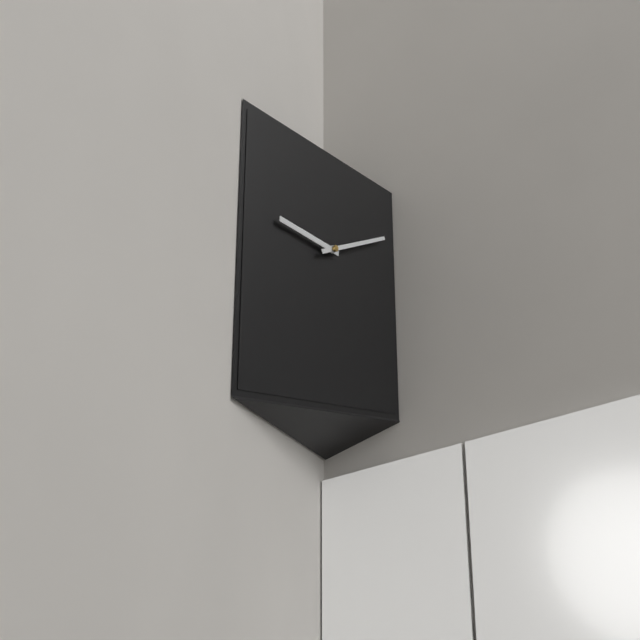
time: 9:11
